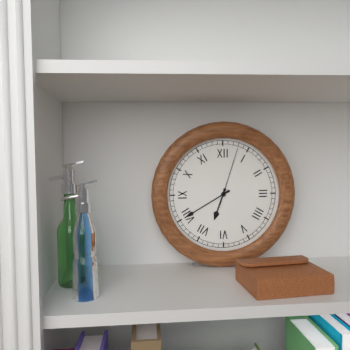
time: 6:40:03
